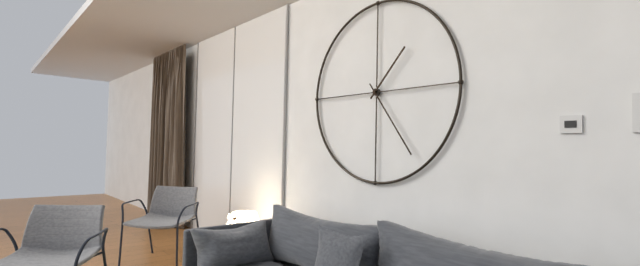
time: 1:24
